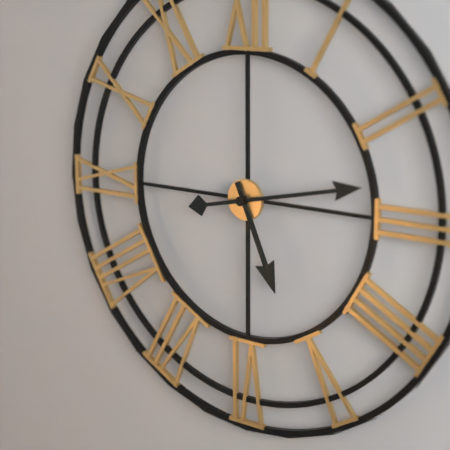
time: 5:13
